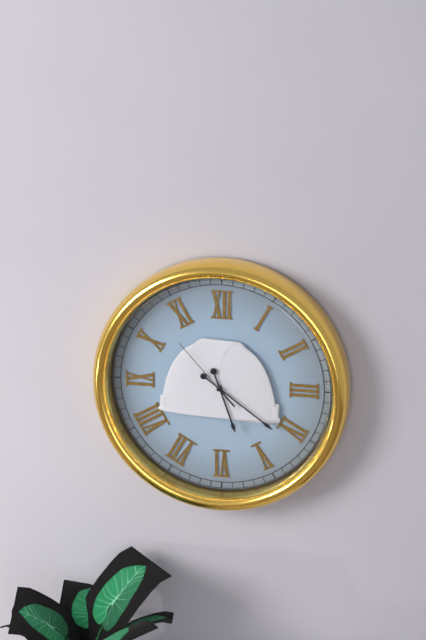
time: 5:21:53
